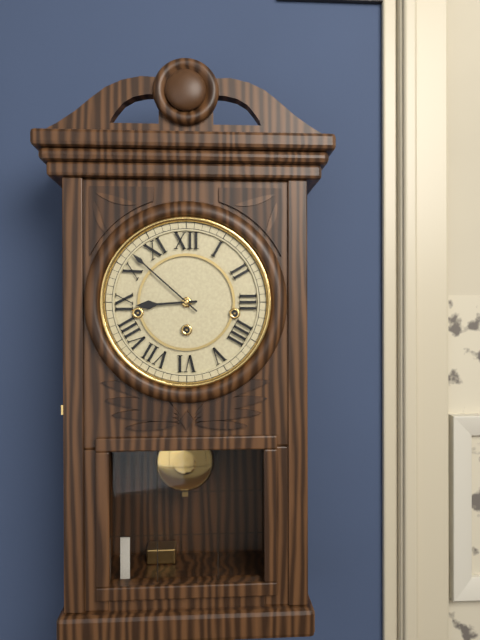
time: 8:52
